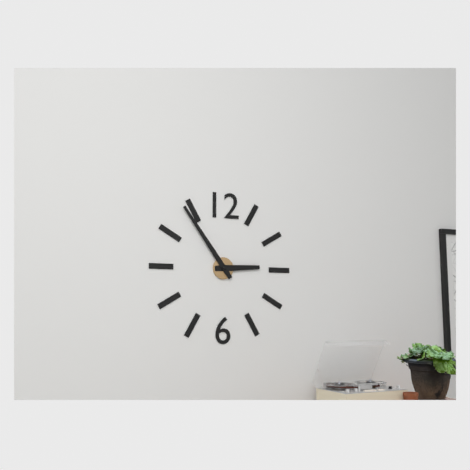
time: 2:54
